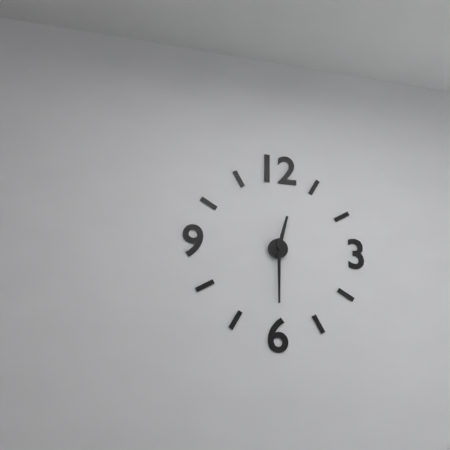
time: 12:30
